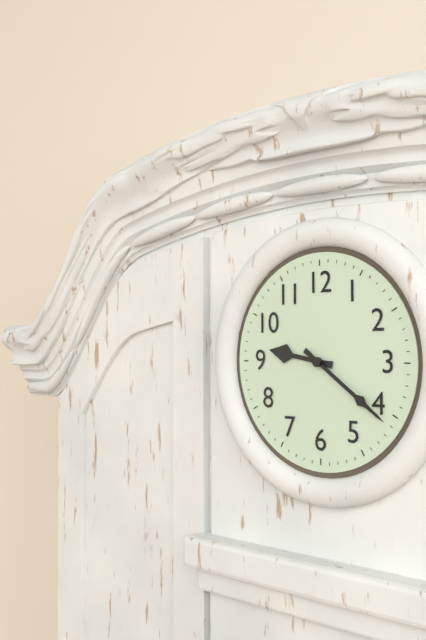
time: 9:21
